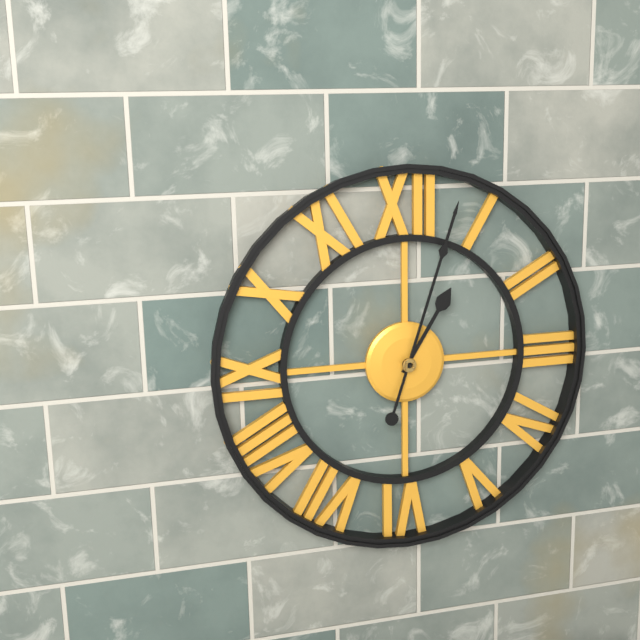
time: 1:03
